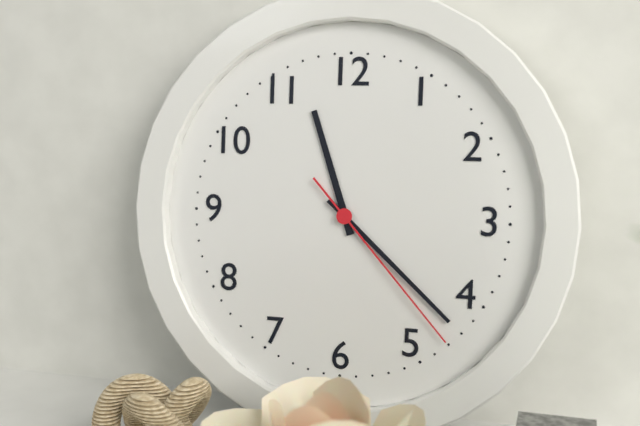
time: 11:22:23
